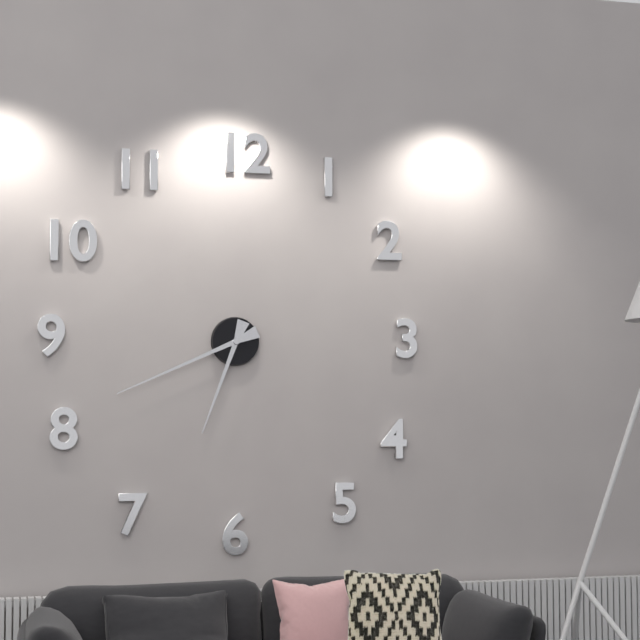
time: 6:41
